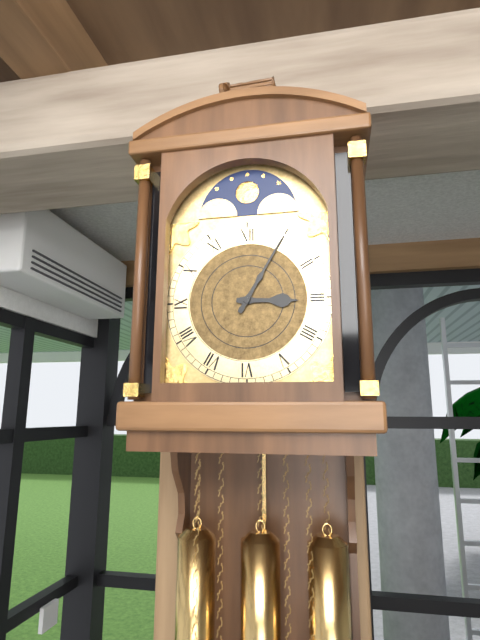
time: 3:05
